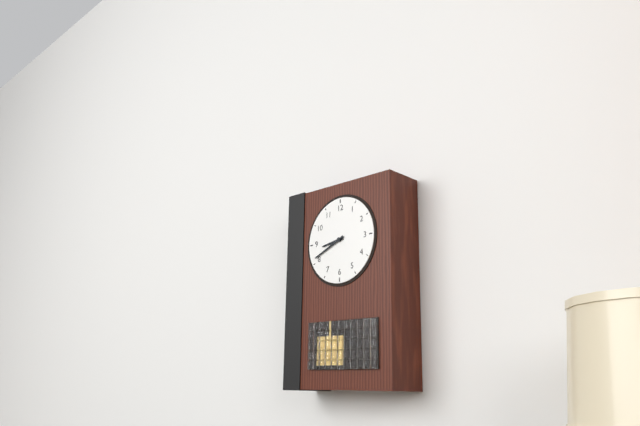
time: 8:41
